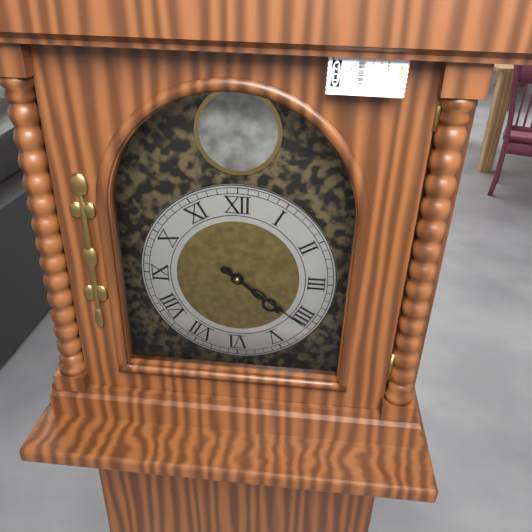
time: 4:21
